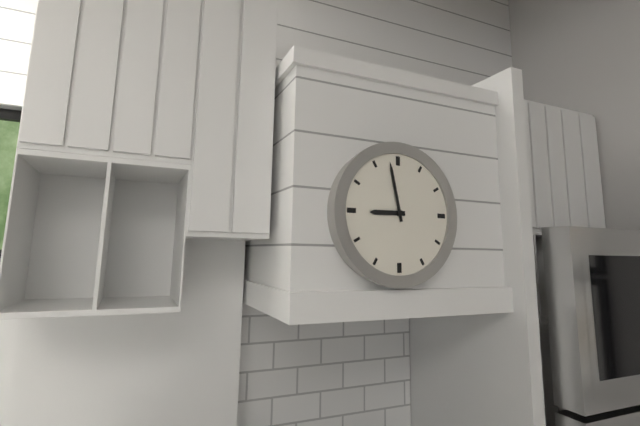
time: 8:58
